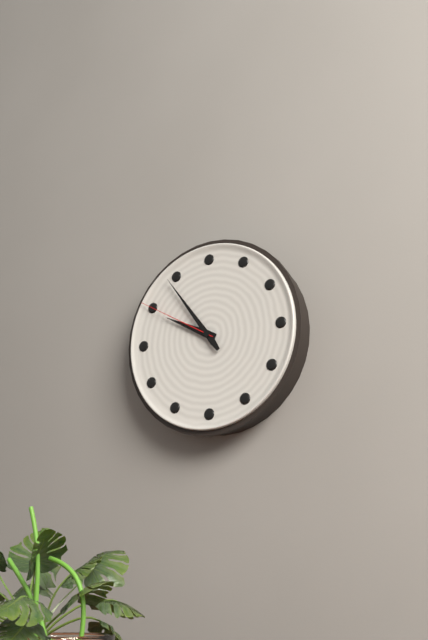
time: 9:54:50
